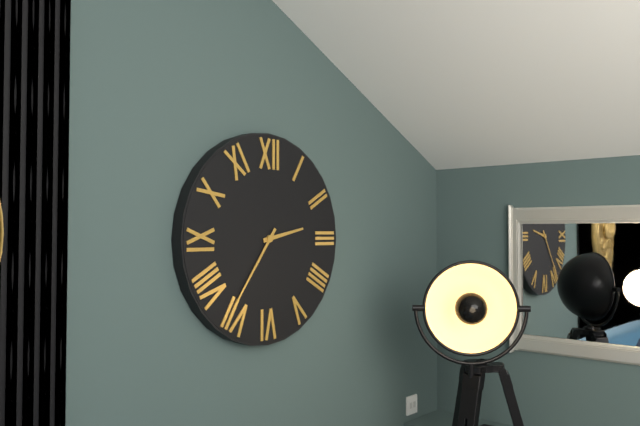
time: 2:36
